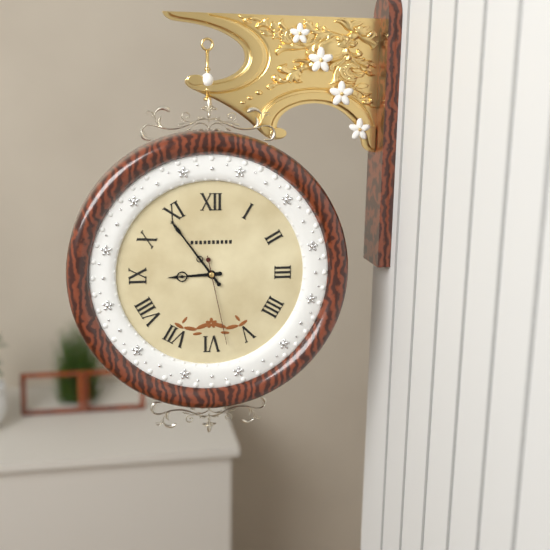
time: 8:54:28
